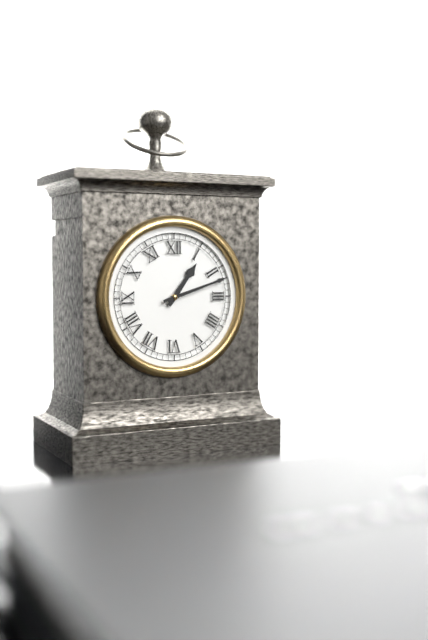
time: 1:12
